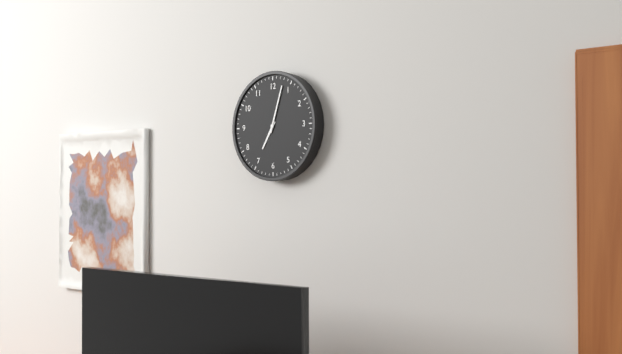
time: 7:03
